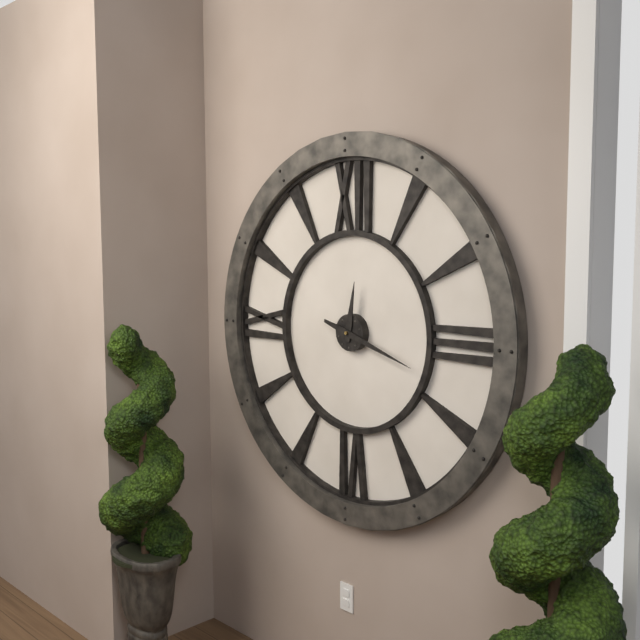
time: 12:18
